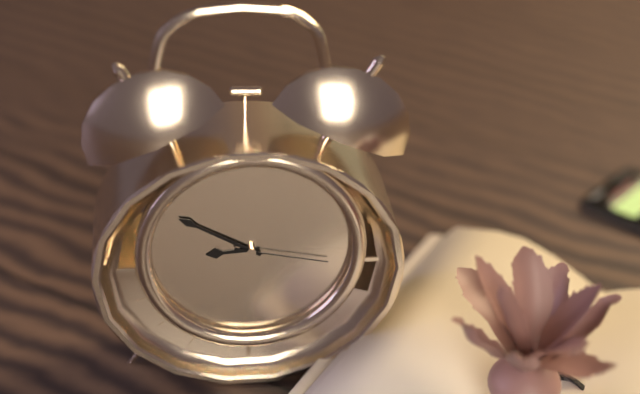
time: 8:50:17
